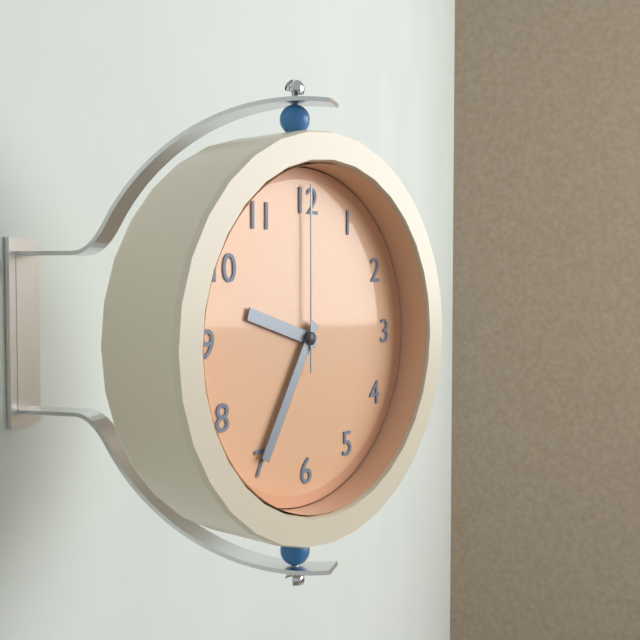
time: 9:35:00
